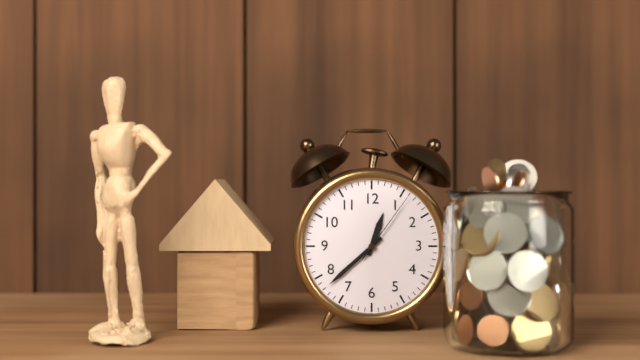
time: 12:38:06
